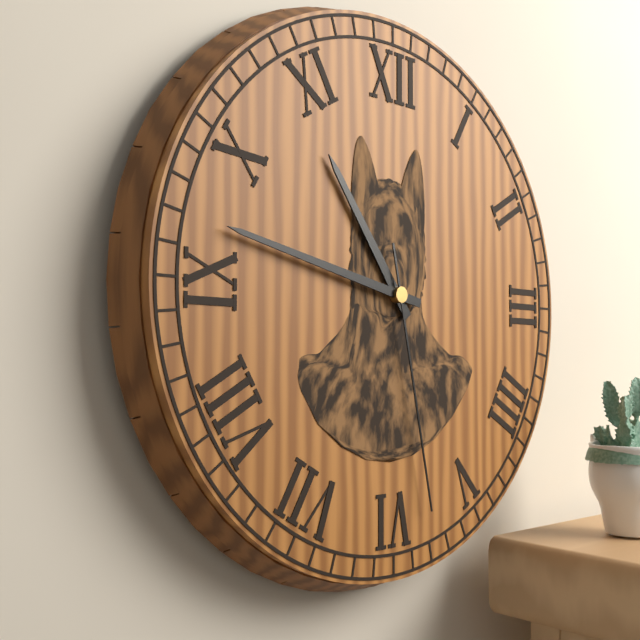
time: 10:47:28
